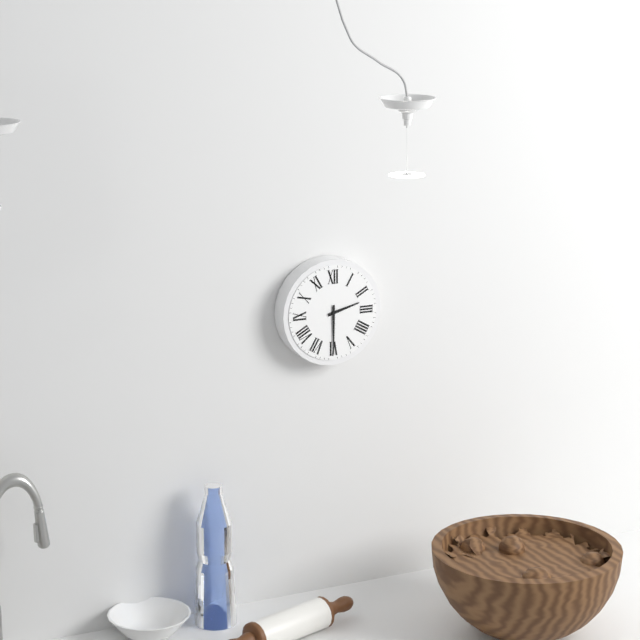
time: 2:30
